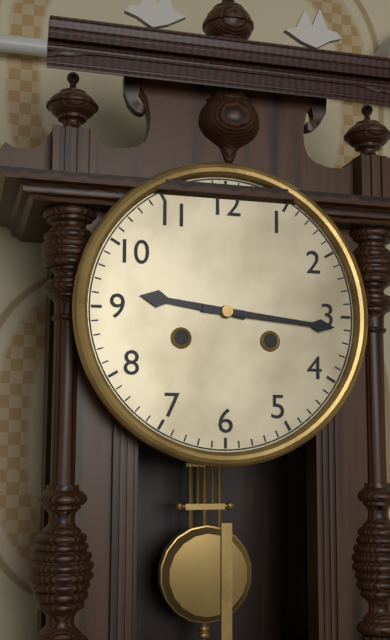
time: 9:16
